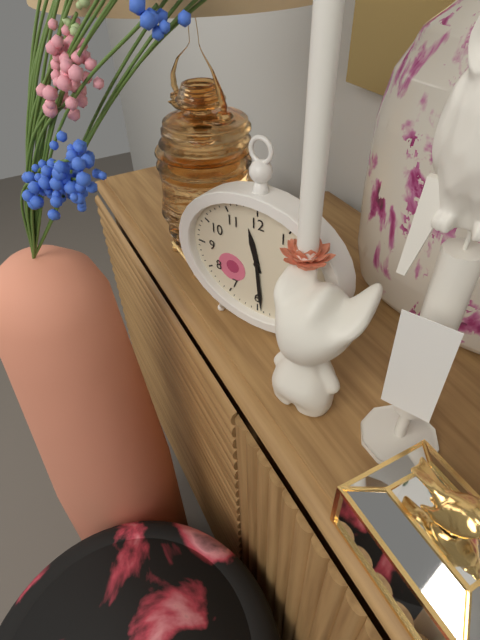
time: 11:29
